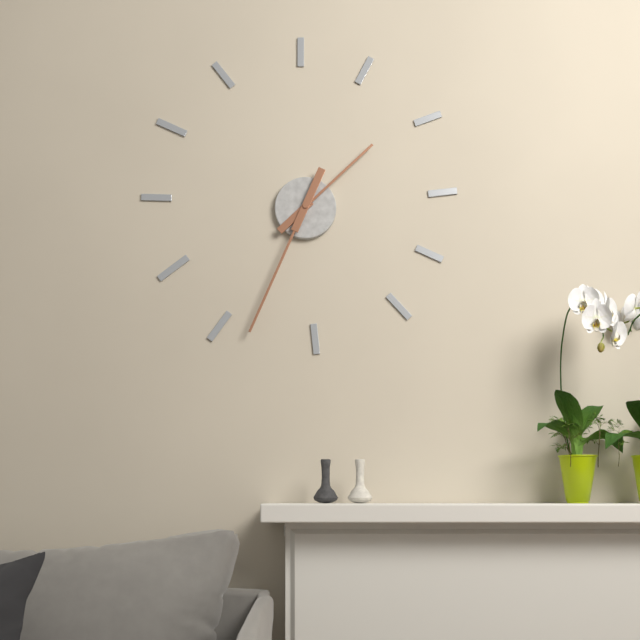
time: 1:34
